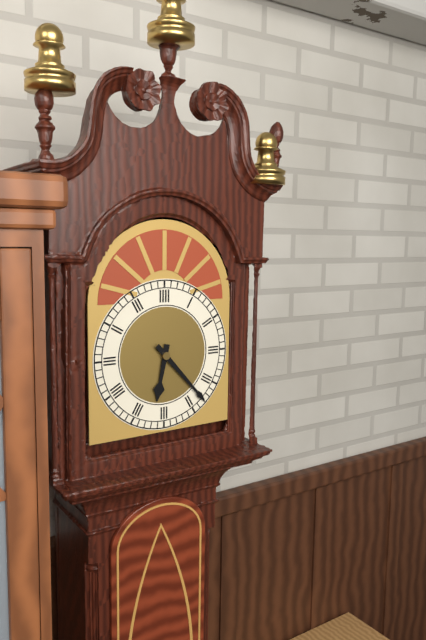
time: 6:23
